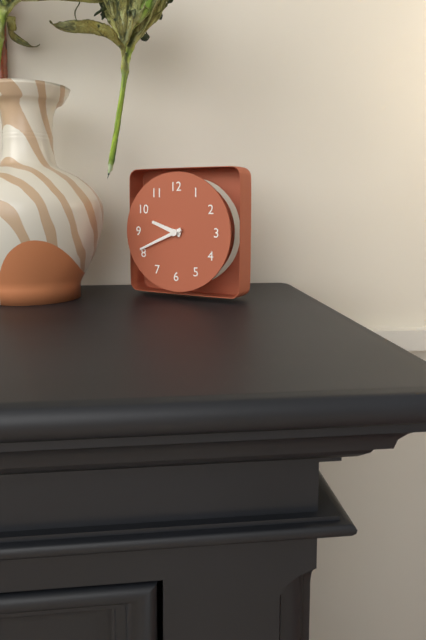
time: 9:41
